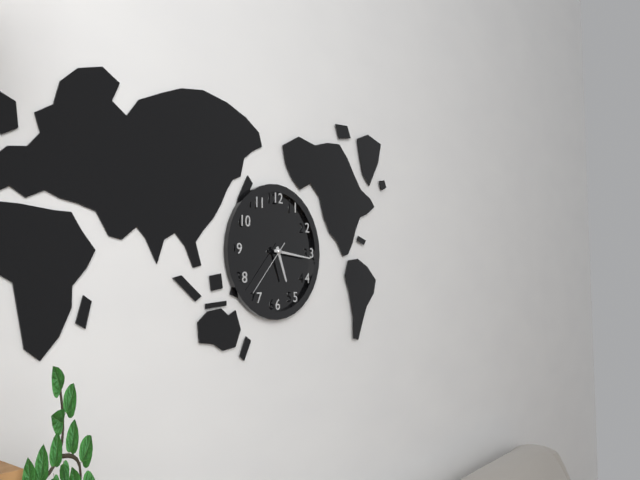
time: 5:16:37
